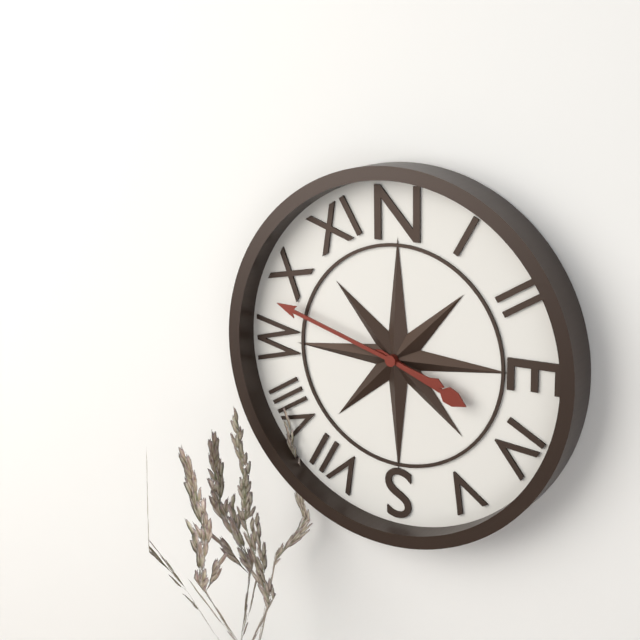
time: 3:48
